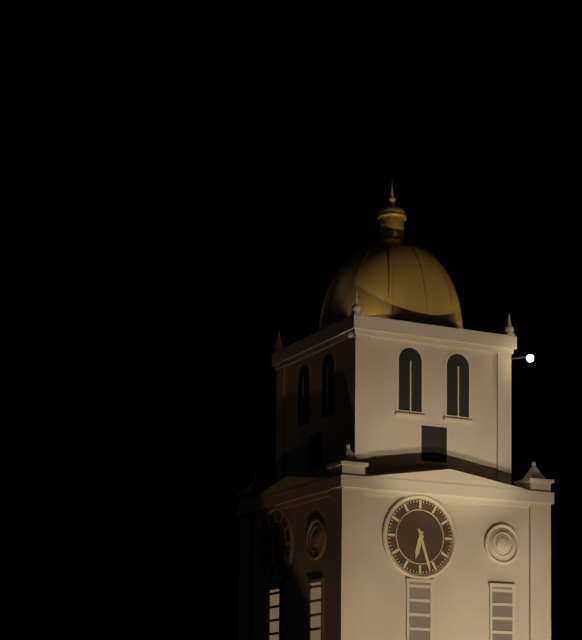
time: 6:27
